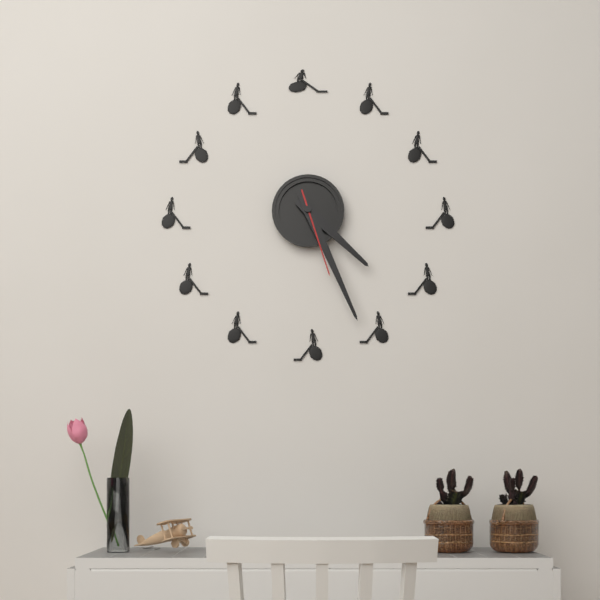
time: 4:26:27
